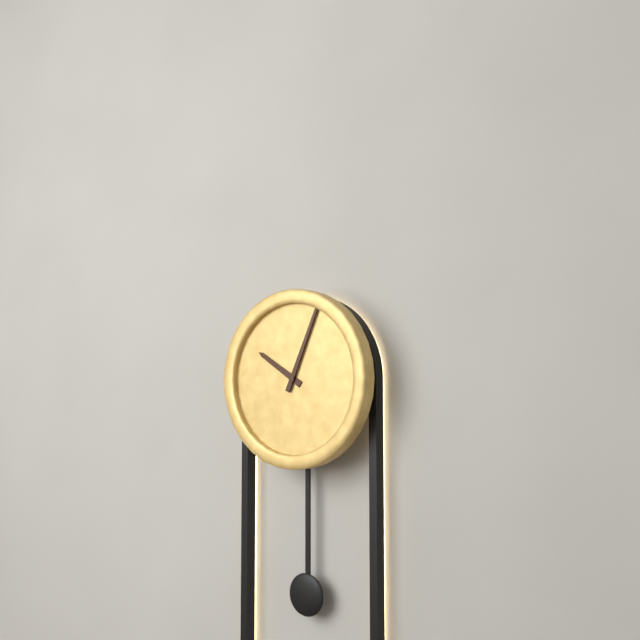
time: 10:04
